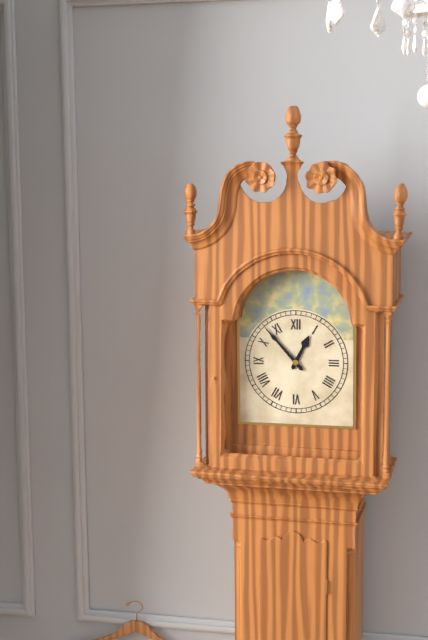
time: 12:53
